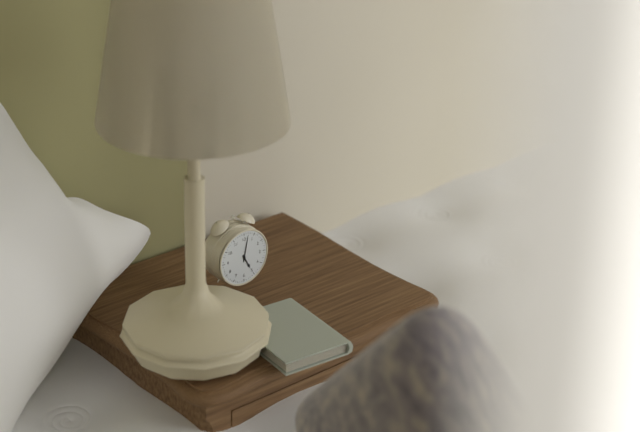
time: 5:02
